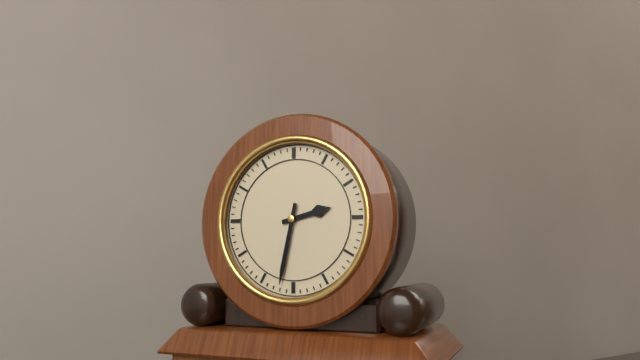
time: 2:32
